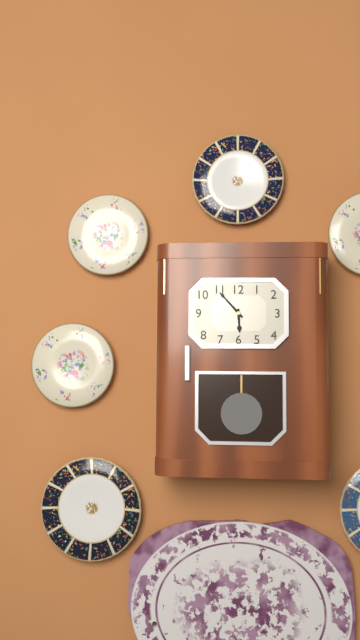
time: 5:53
